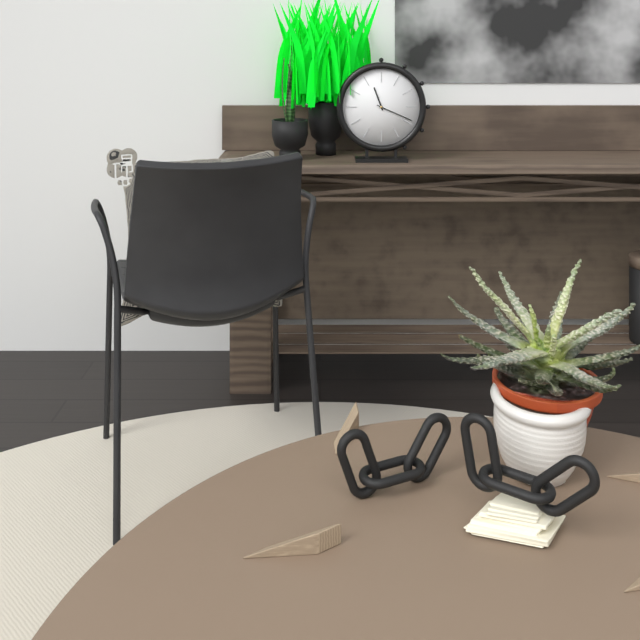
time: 11:19
